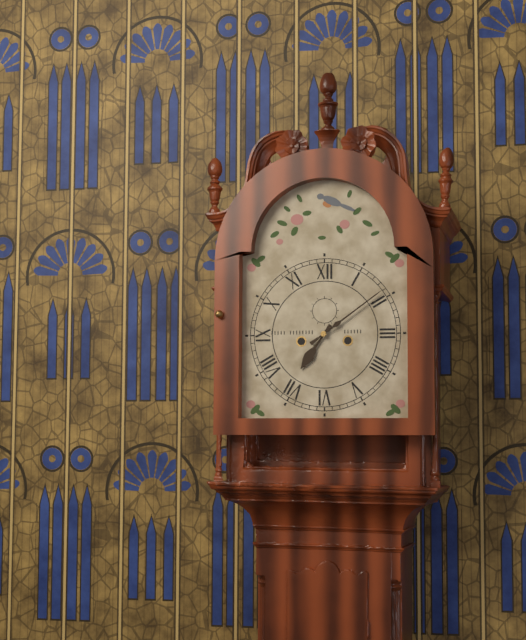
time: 7:09
